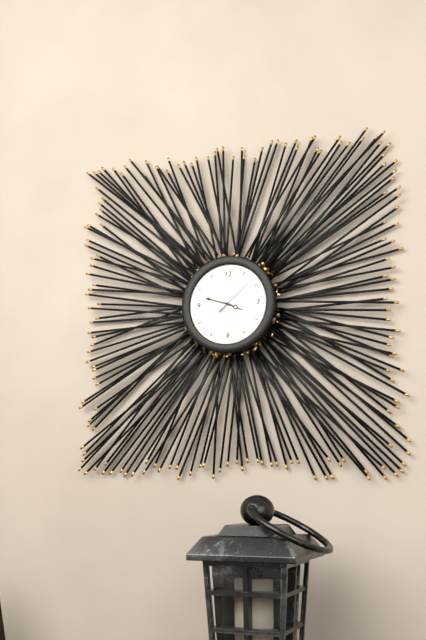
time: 3:48
